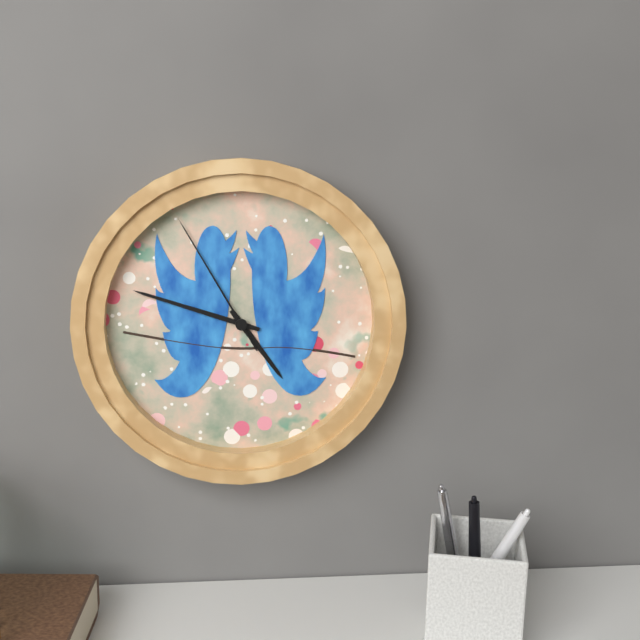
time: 4:48:55
